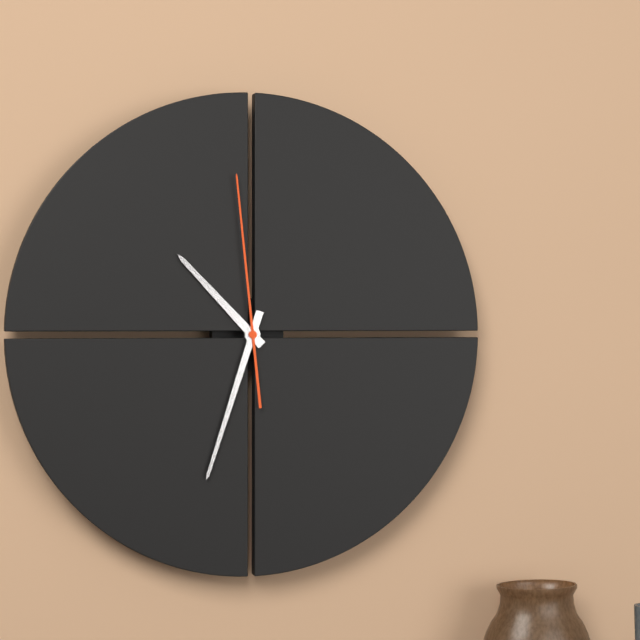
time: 10:33:59
